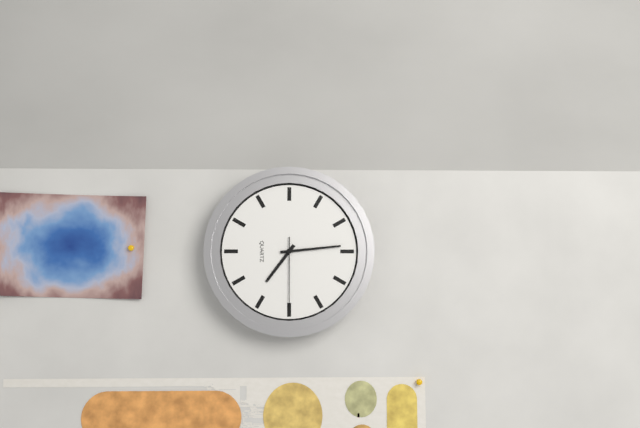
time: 7:14:30
